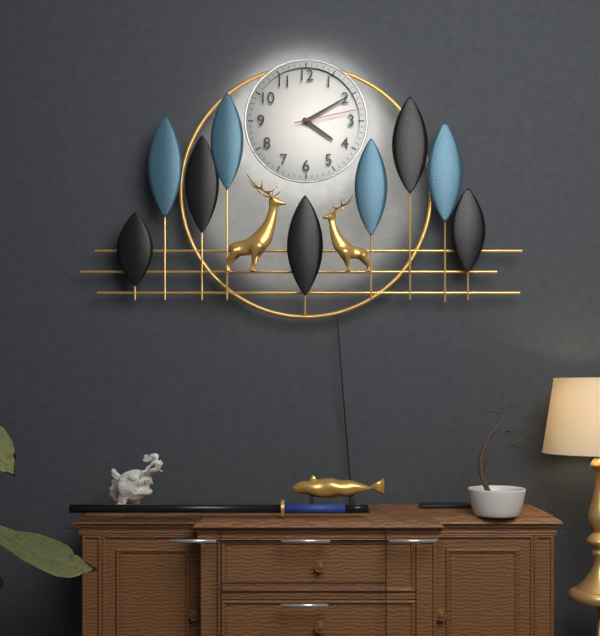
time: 4:10:13
